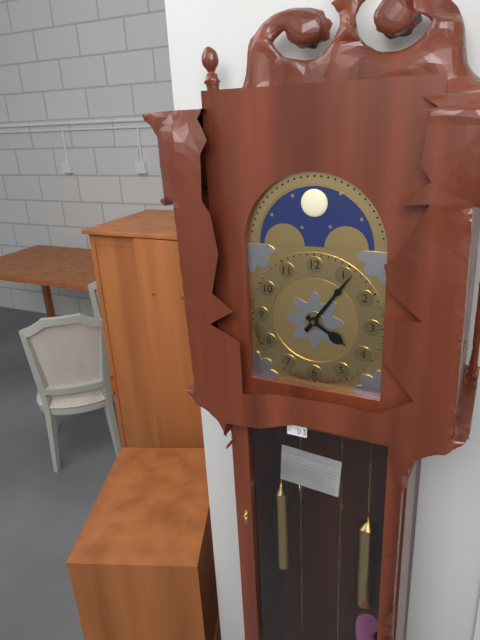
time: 4:06
